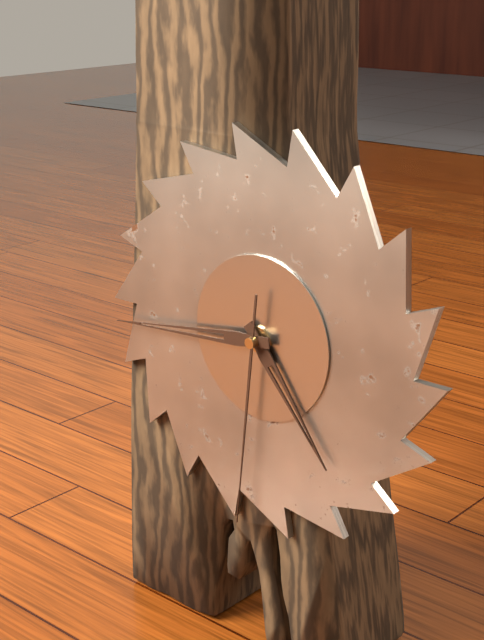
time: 4:44:31
